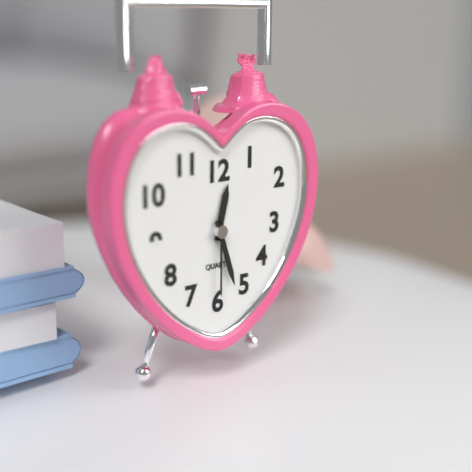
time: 12:27:30
